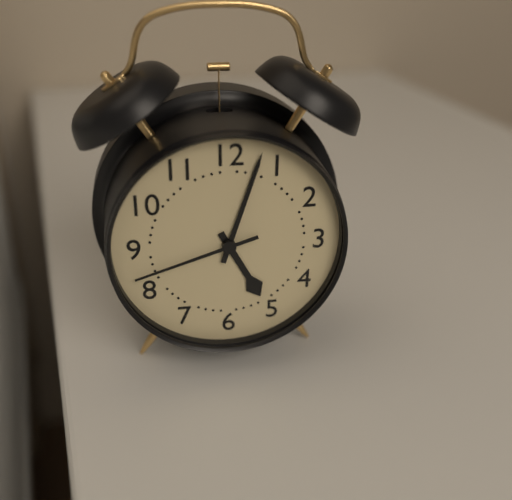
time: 5:03:42
